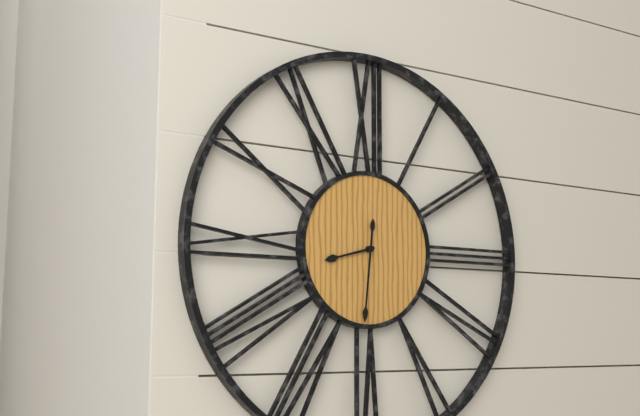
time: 8:31
